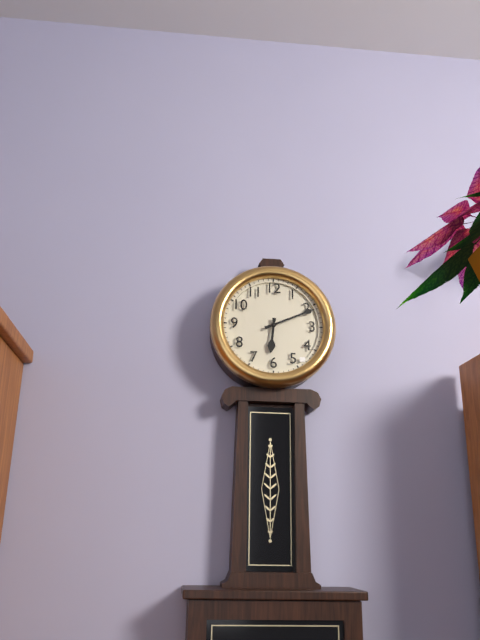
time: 6:11
